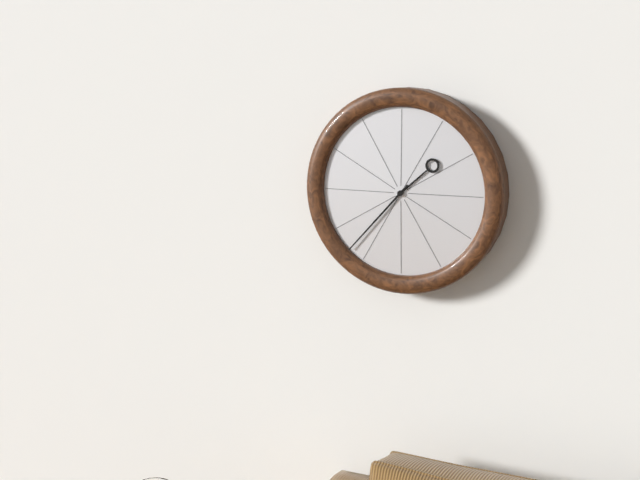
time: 1:37
